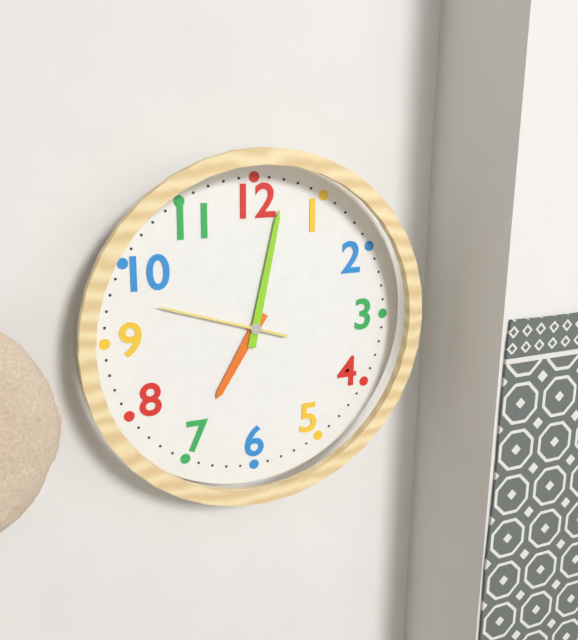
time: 7:02:48
